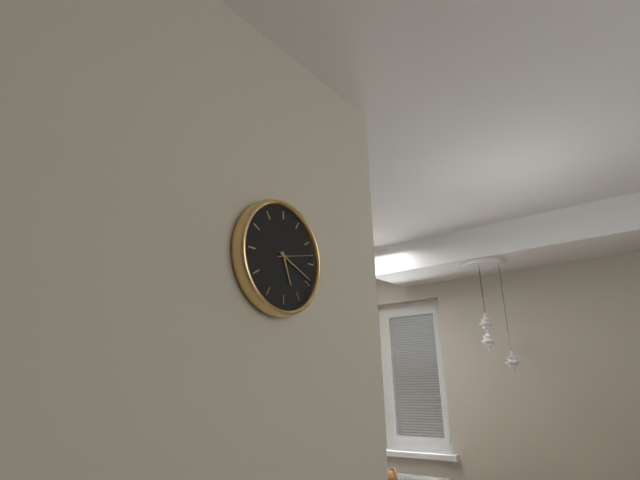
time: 5:19
